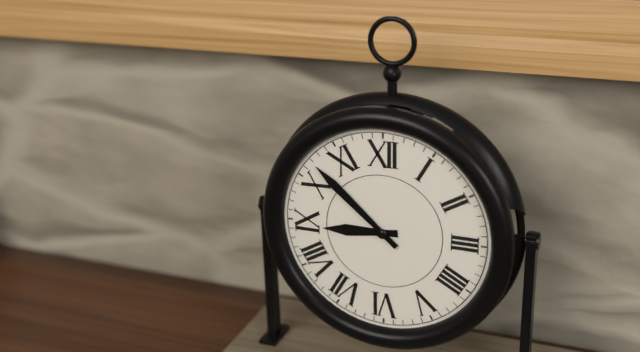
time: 8:52
